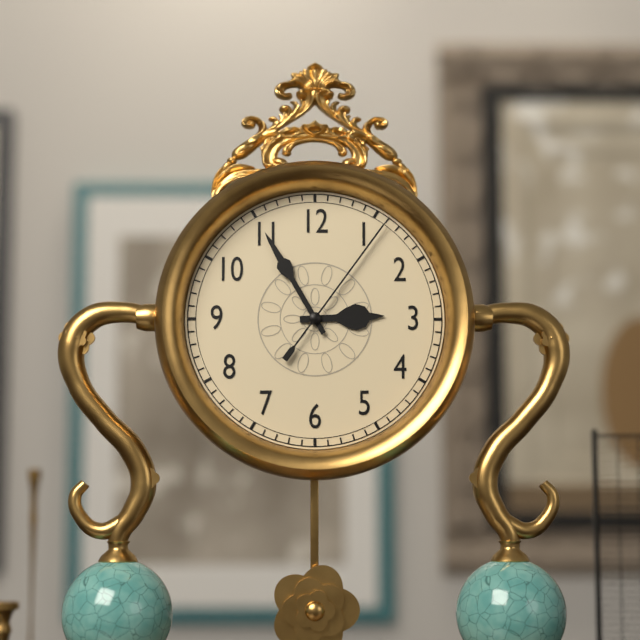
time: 2:55:06
